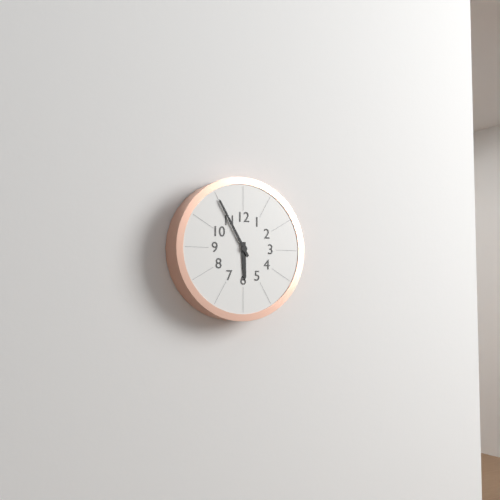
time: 5:55
